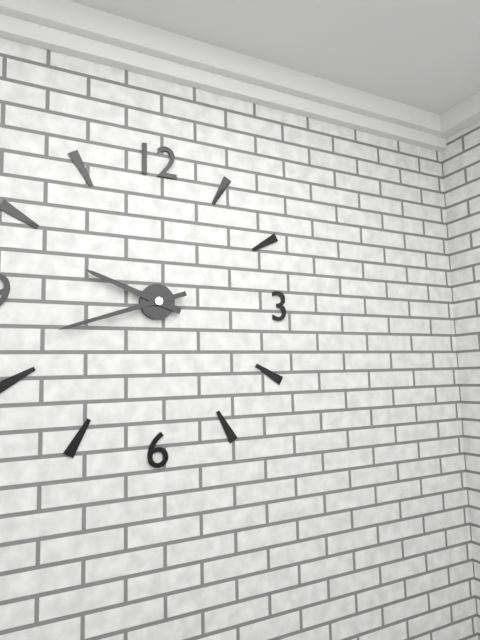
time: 9:42
